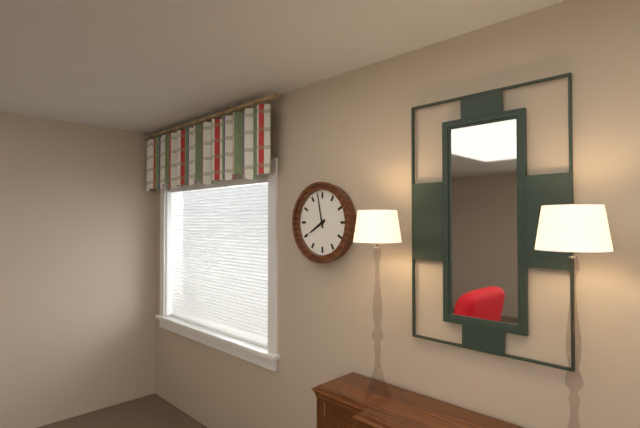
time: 7:58
